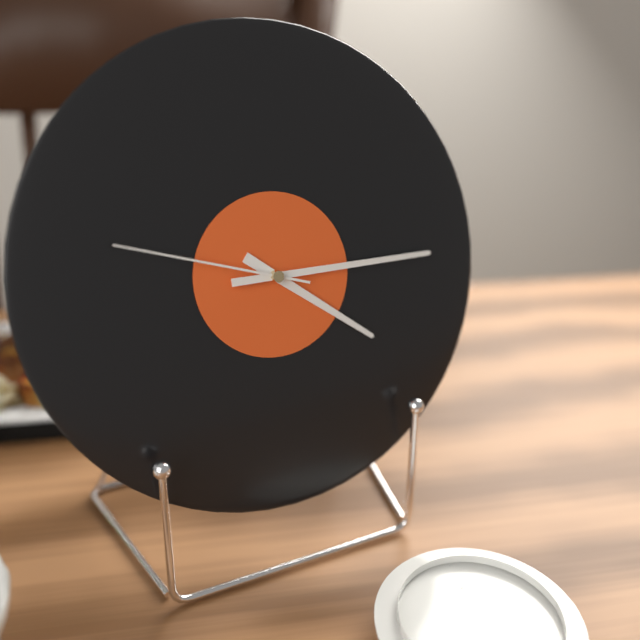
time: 4:15:48
